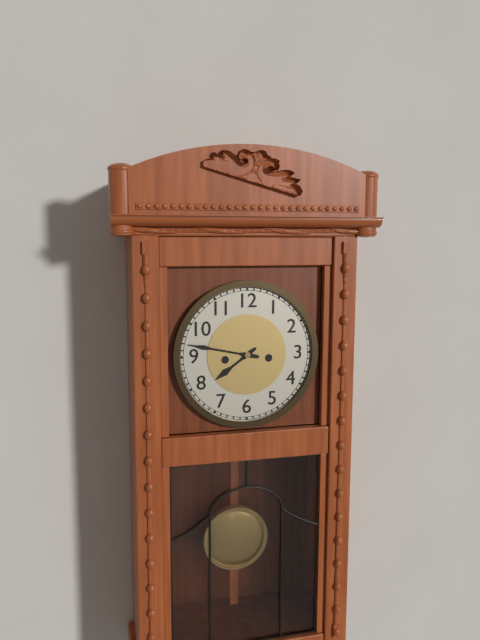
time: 7:47
